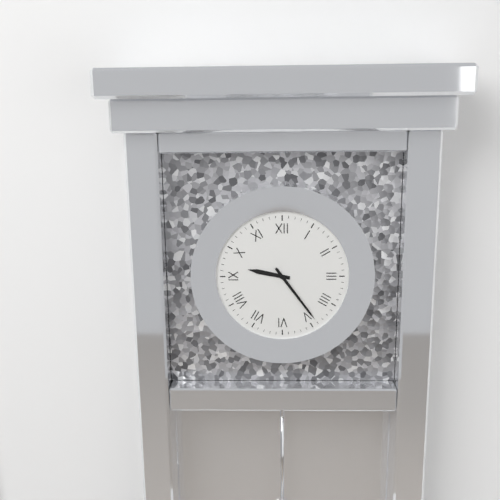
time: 9:24
